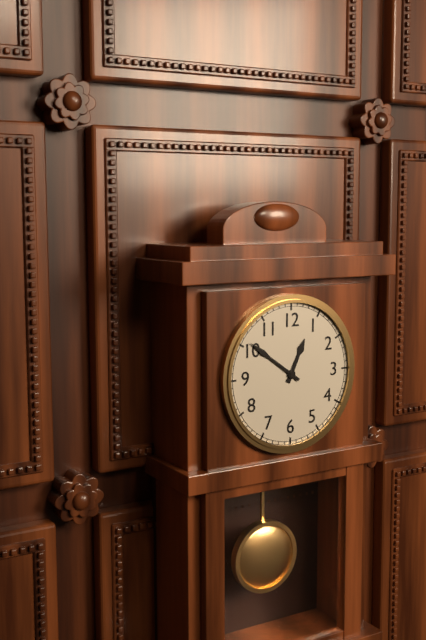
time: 12:51
